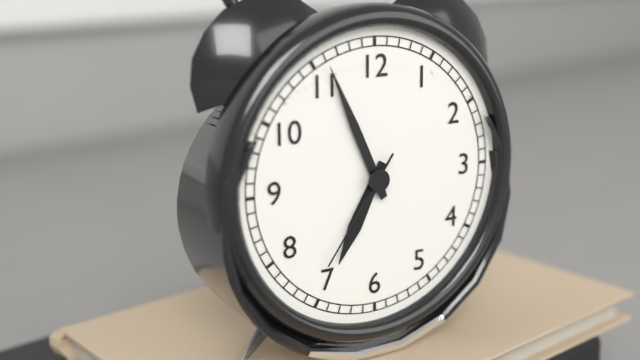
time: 6:56:36
